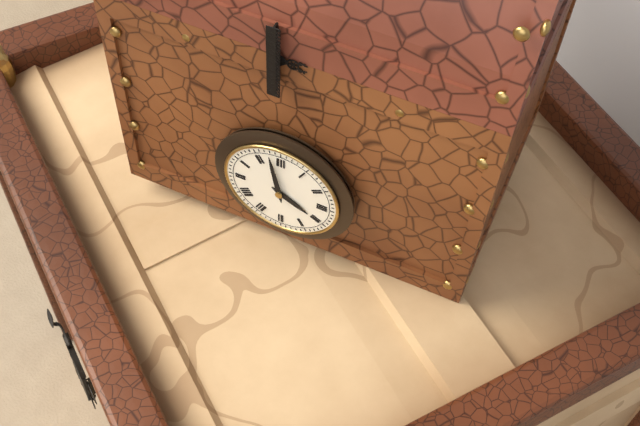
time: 3:58
